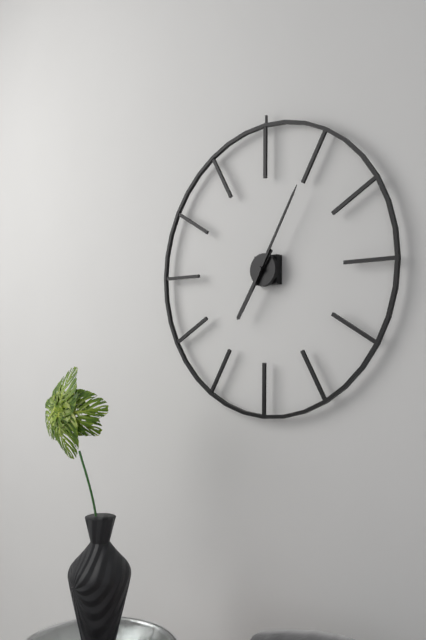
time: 7:05
